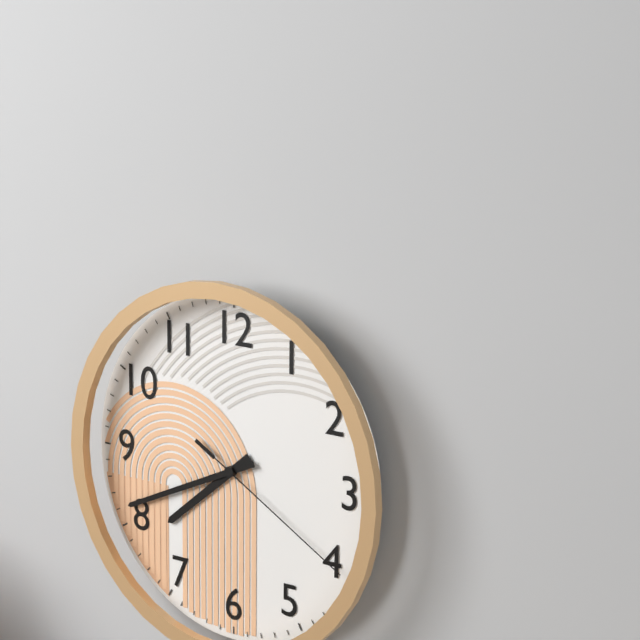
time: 7:41:20
